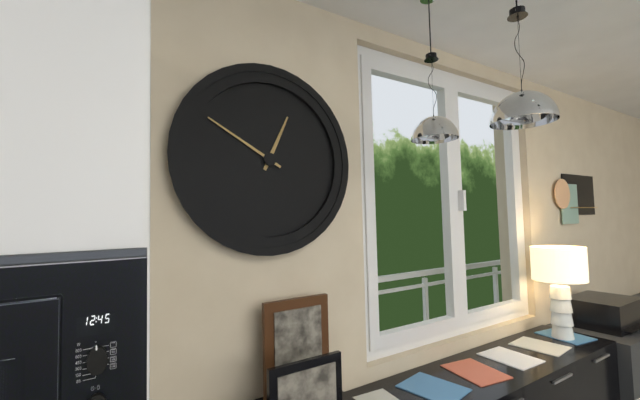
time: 12:50
